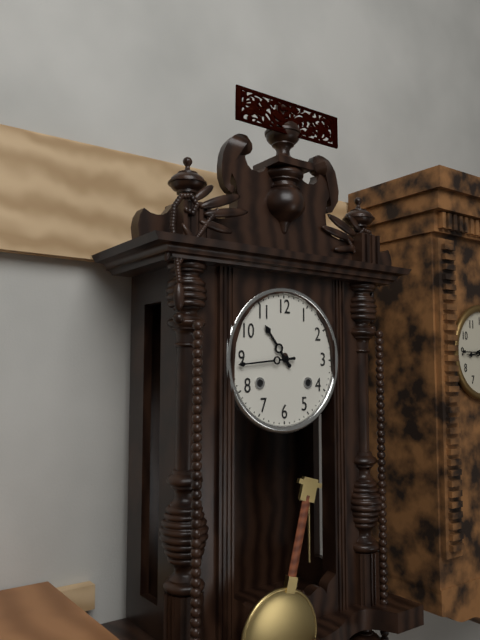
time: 10:44
